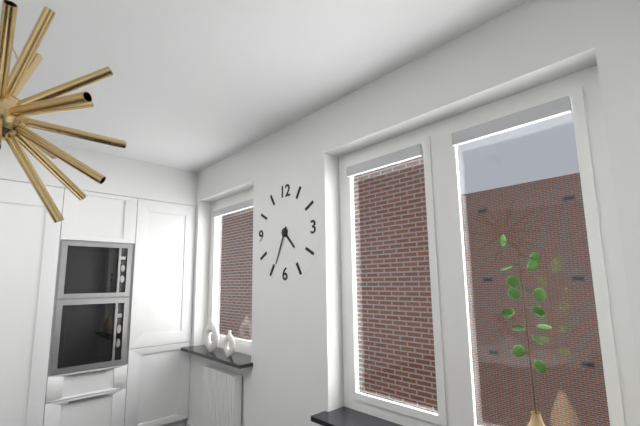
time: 4:34
